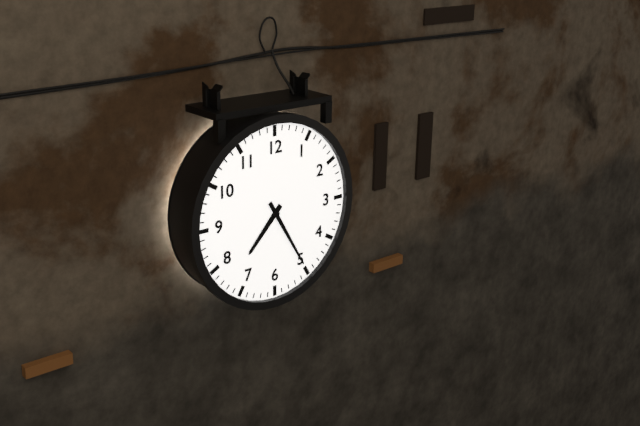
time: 7:25
